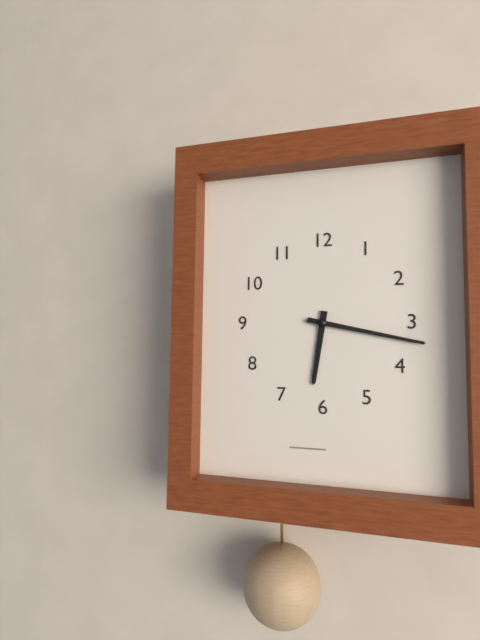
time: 6:17
